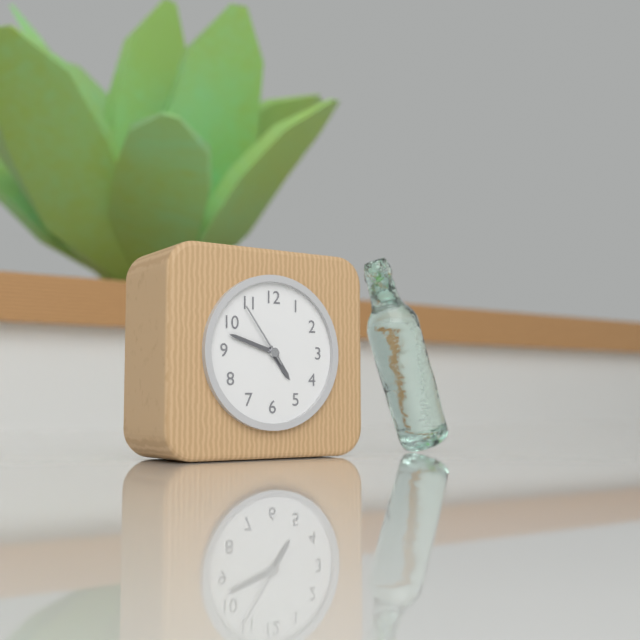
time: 4:48:54
